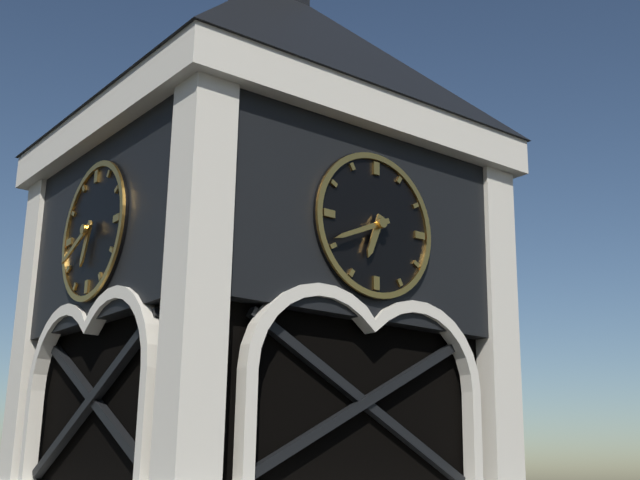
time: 6:41
